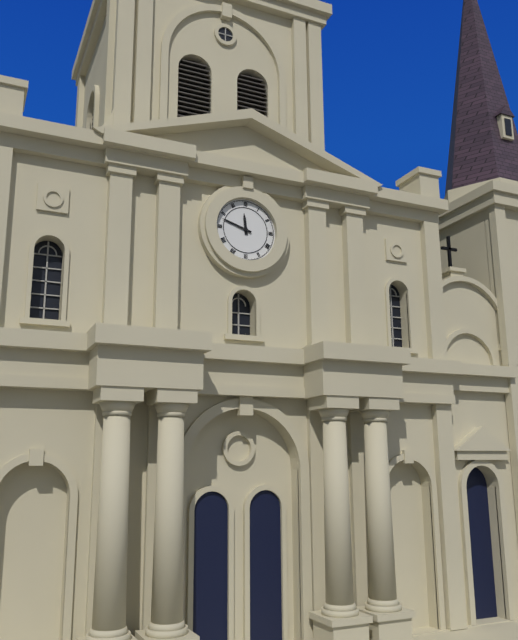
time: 11:48
